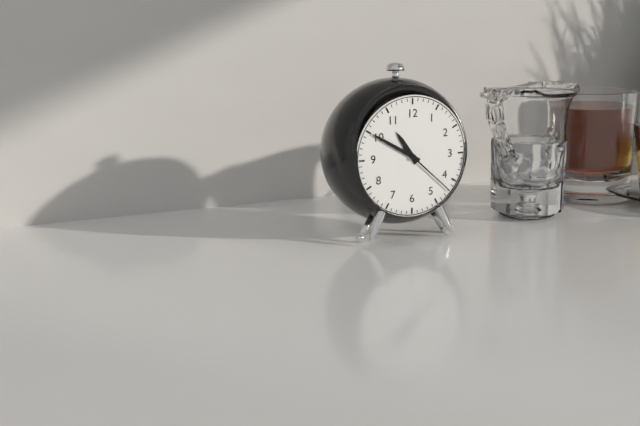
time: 10:50:22
